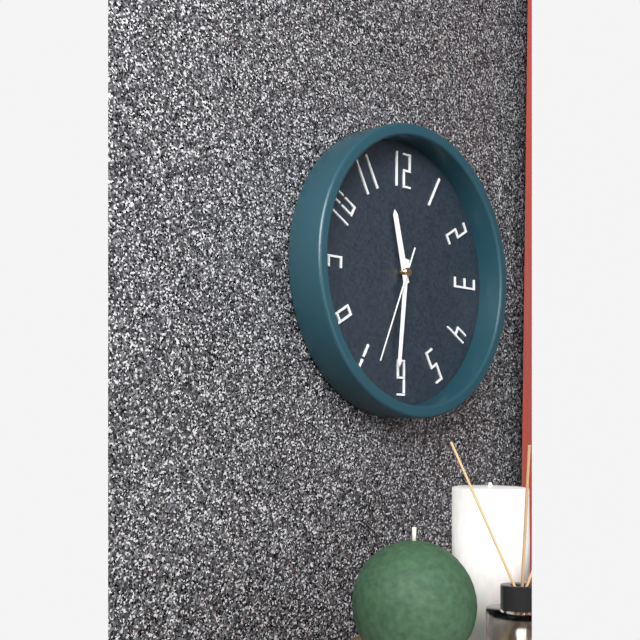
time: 11:31:34
